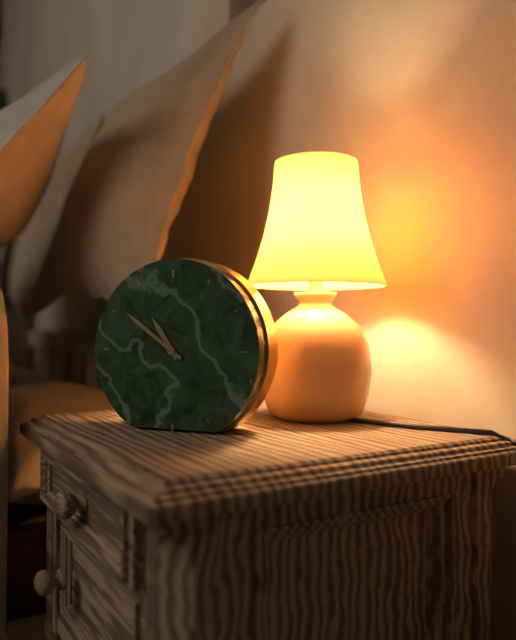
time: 10:51
